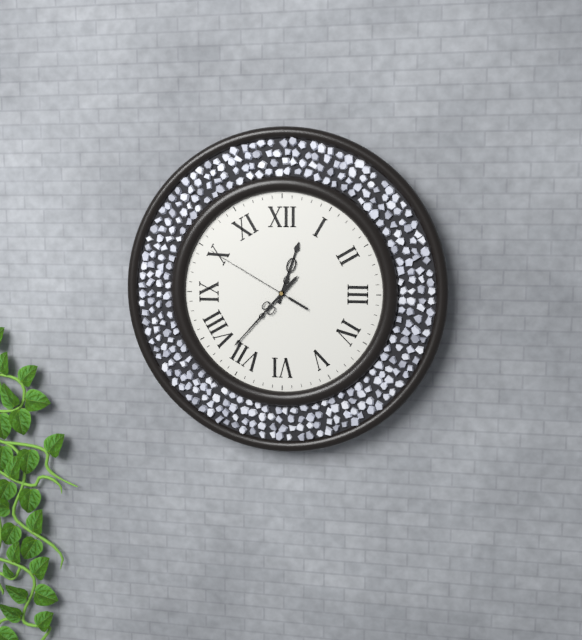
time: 12:37:50
